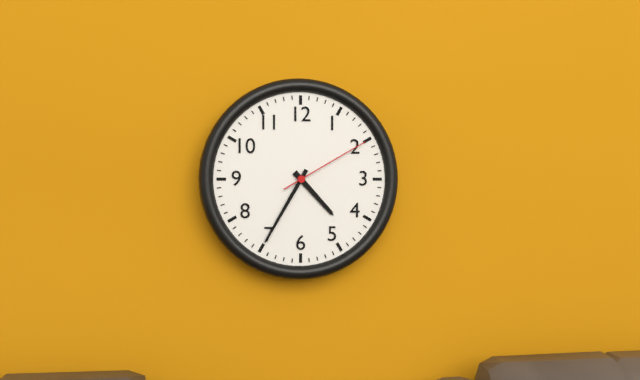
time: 4:35:10
